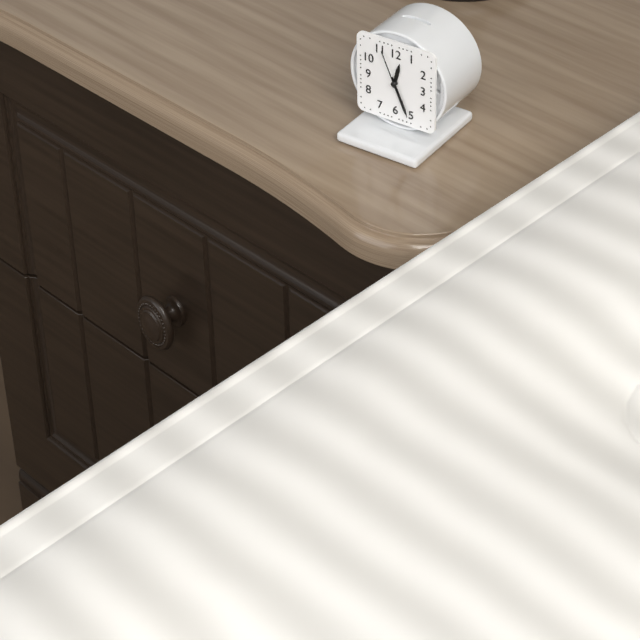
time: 12:26
